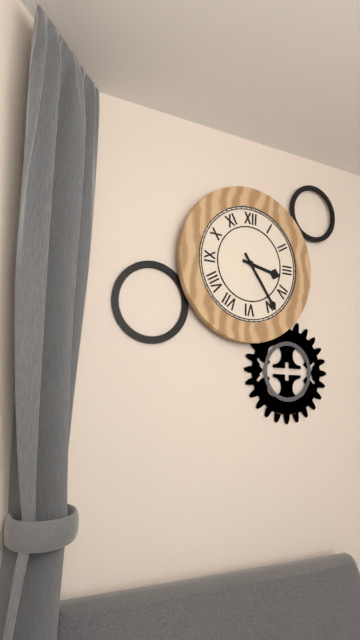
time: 3:24
